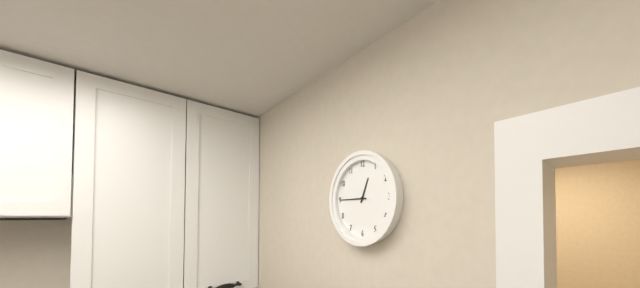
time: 12:45
